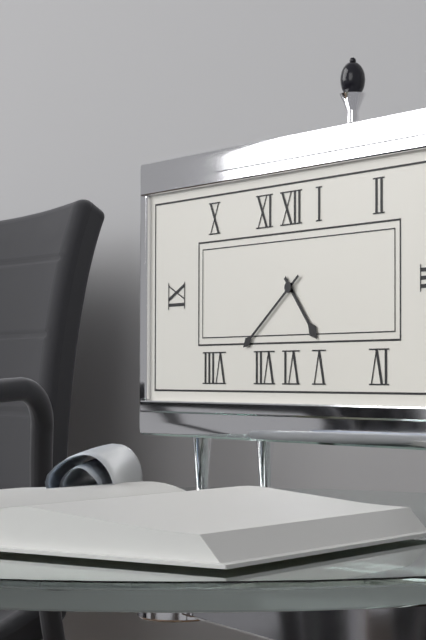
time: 4:39
